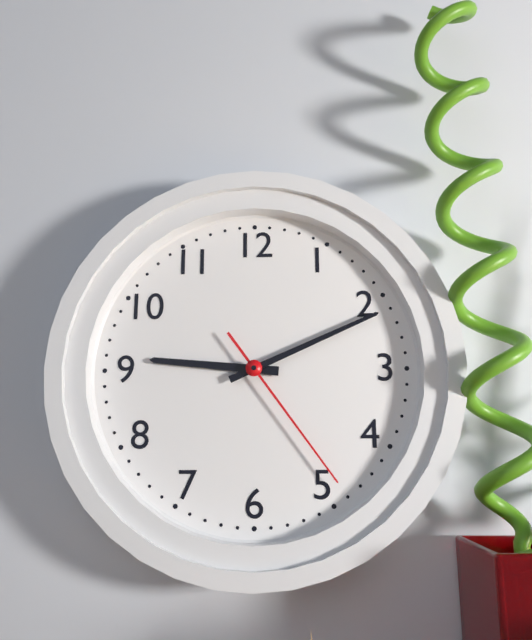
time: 9:11:24
